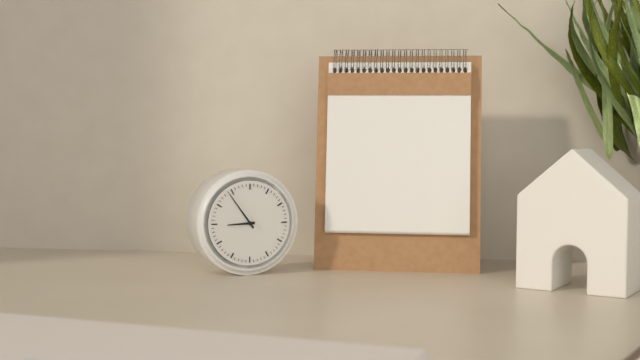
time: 8:54
